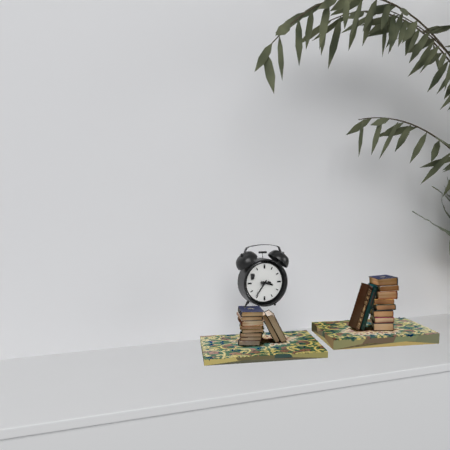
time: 3:36
